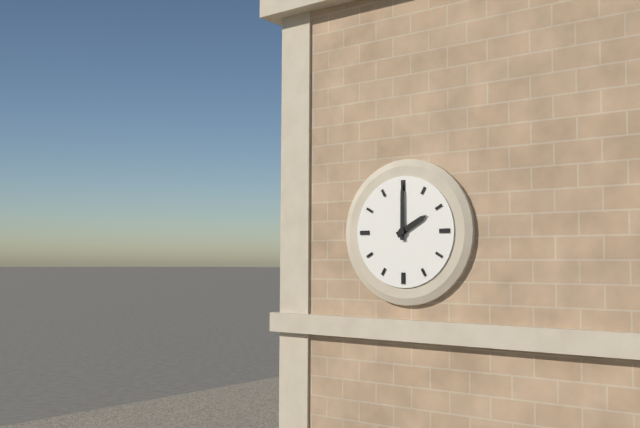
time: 2:00
